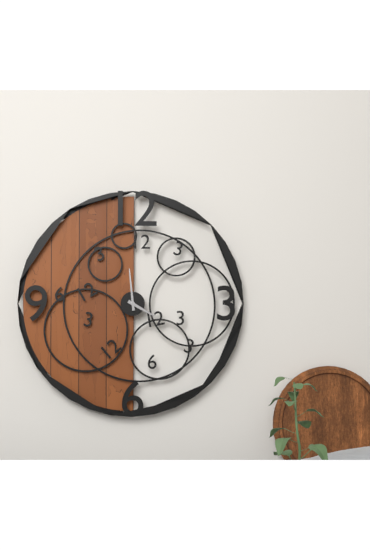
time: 3:59
